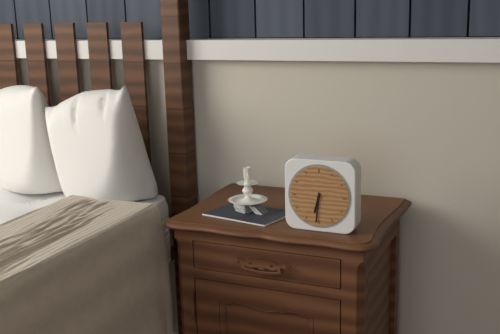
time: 6:31
